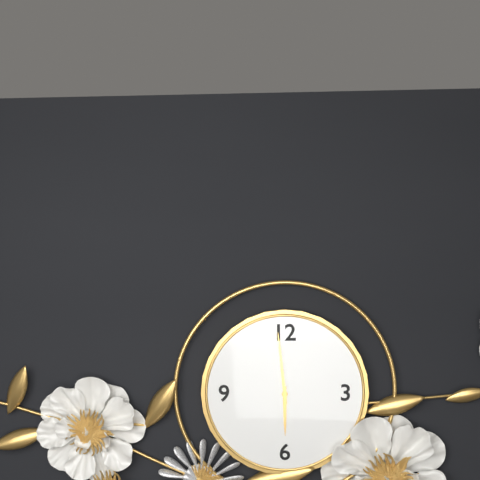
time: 5:59
